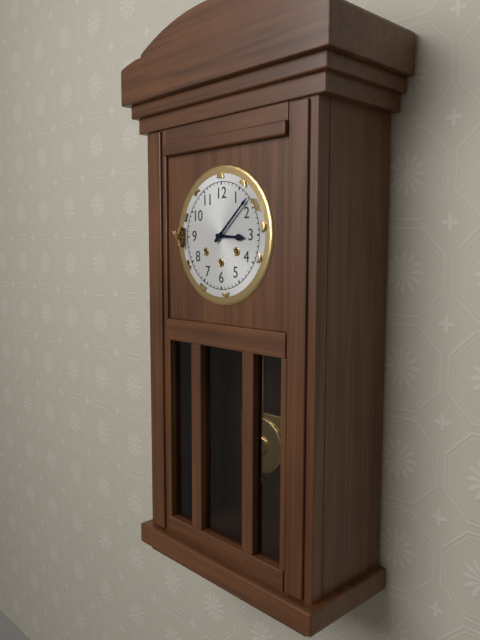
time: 3:08
